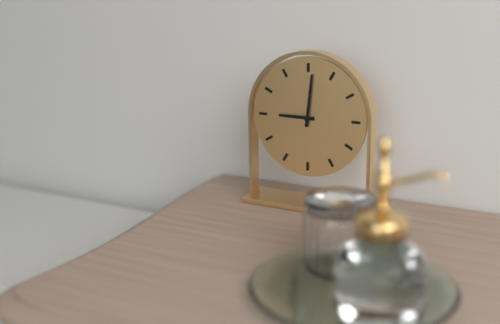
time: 9:01
